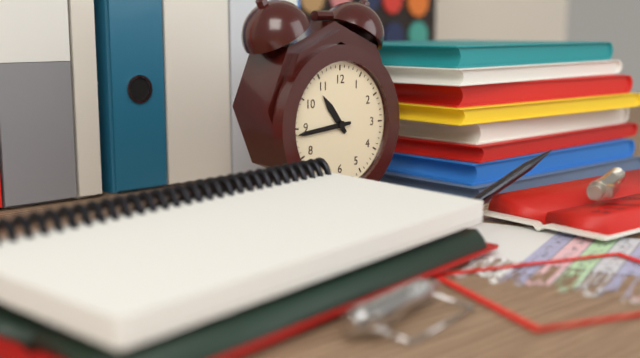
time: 10:44
